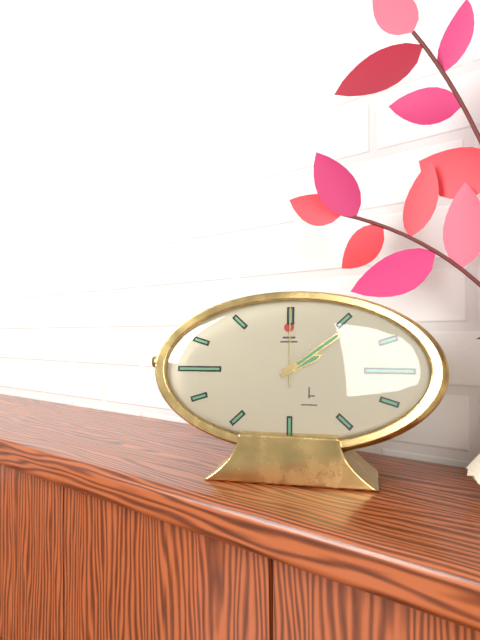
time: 2:09:00
